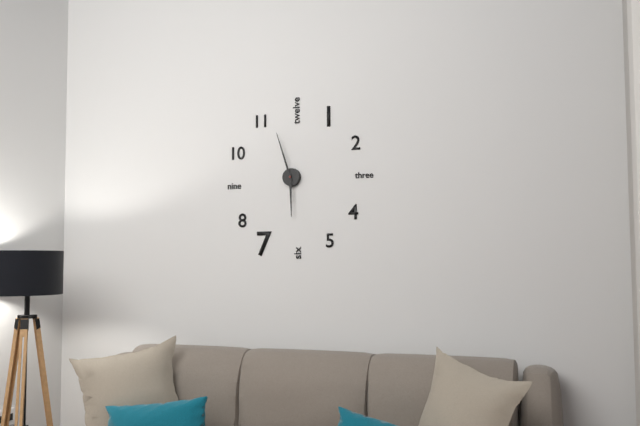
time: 5:57
